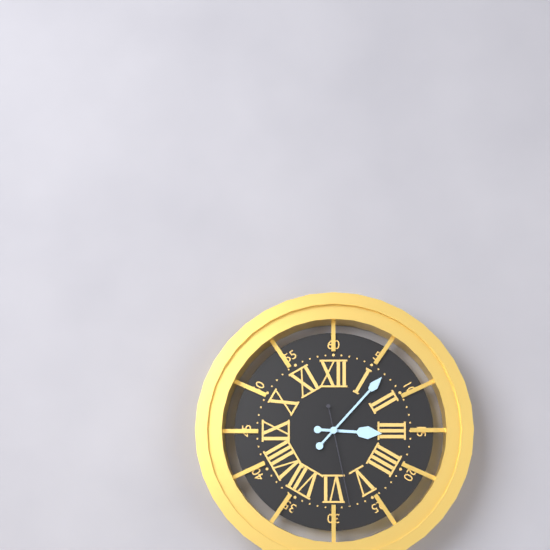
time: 3:07:28
